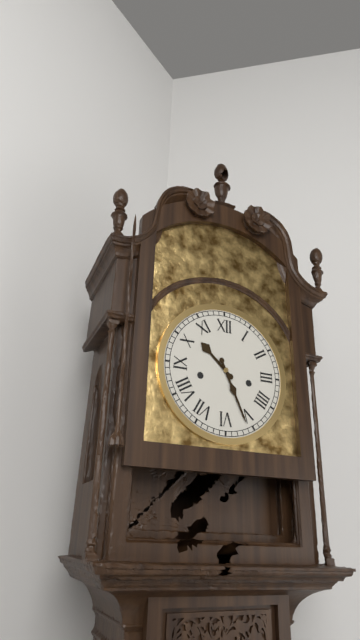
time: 10:26
